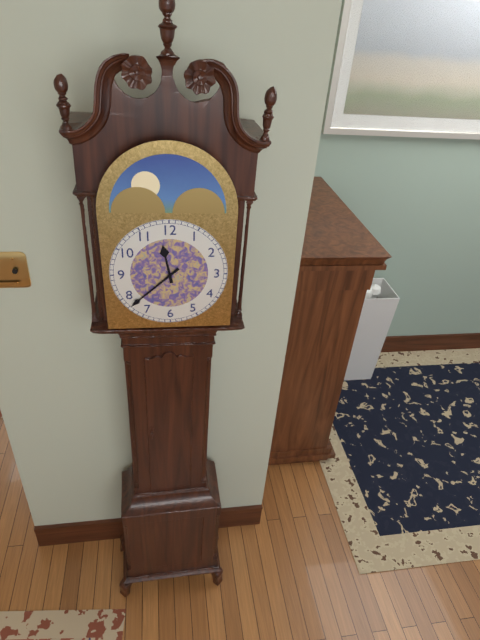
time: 11:38
